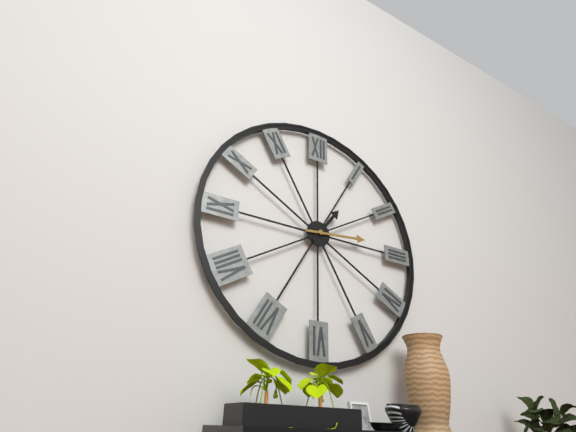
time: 1:14
